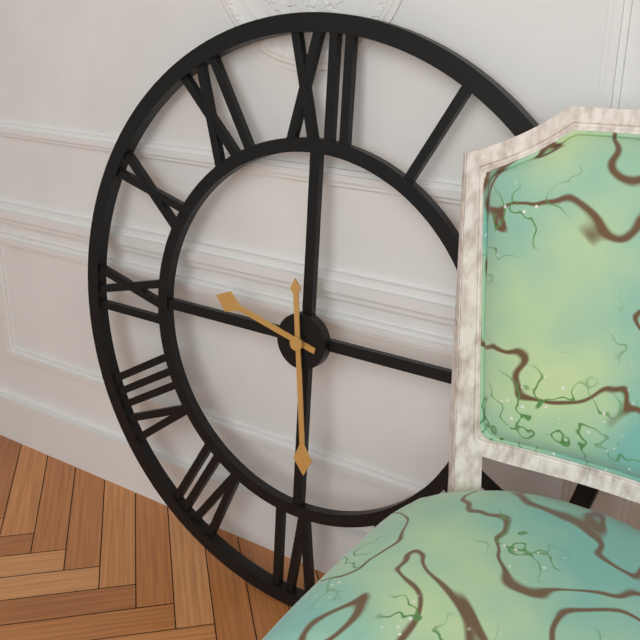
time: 9:29
